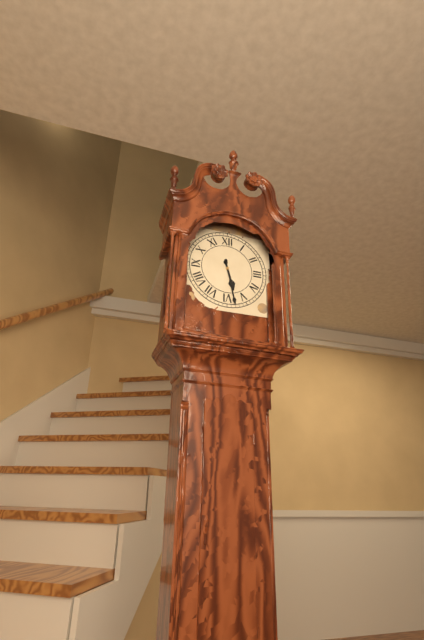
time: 5:28
